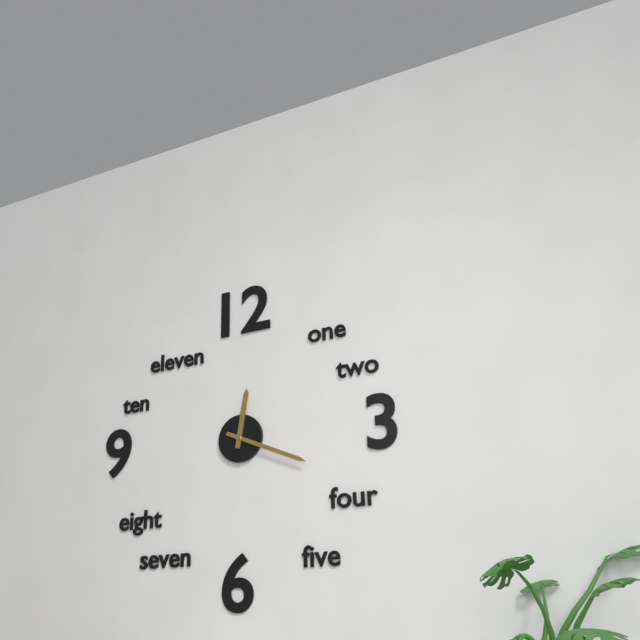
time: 12:19
